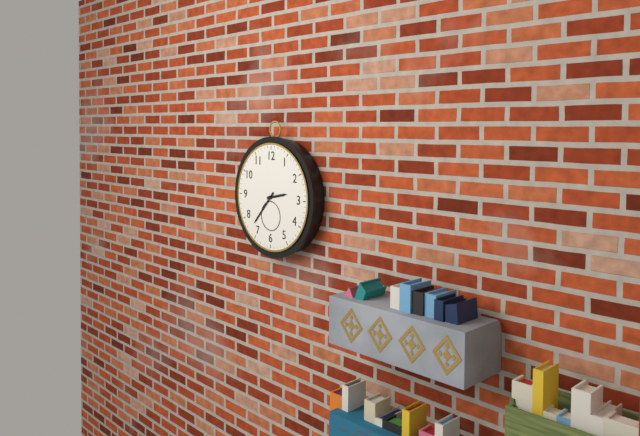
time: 2:37
